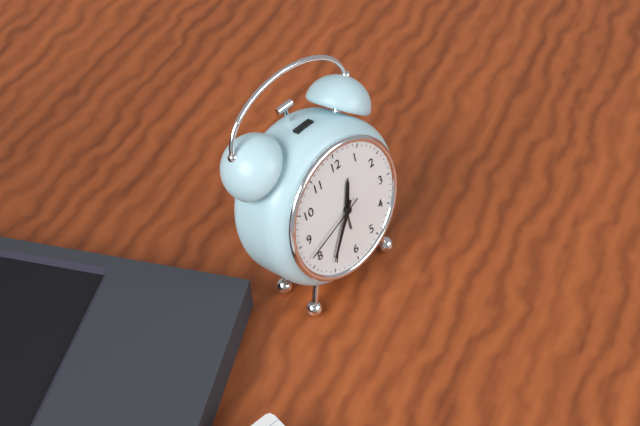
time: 12:36:42
